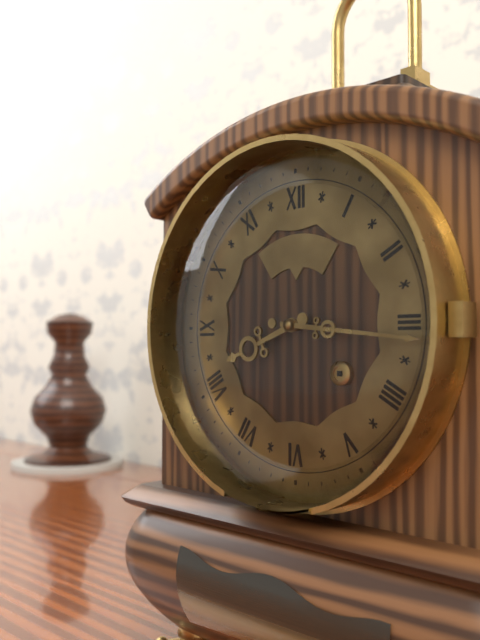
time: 8:16
